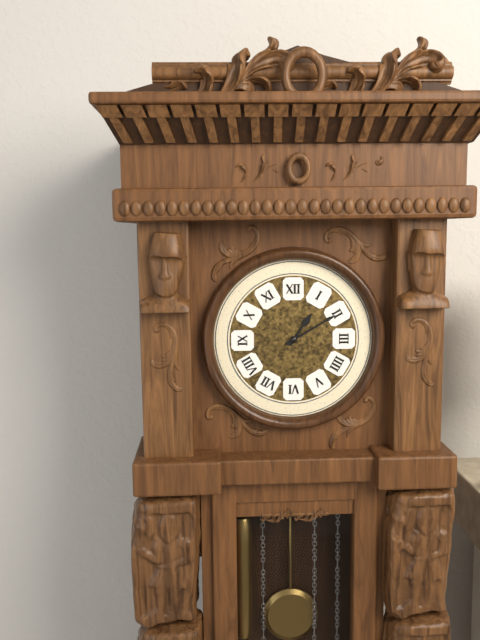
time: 1:10
